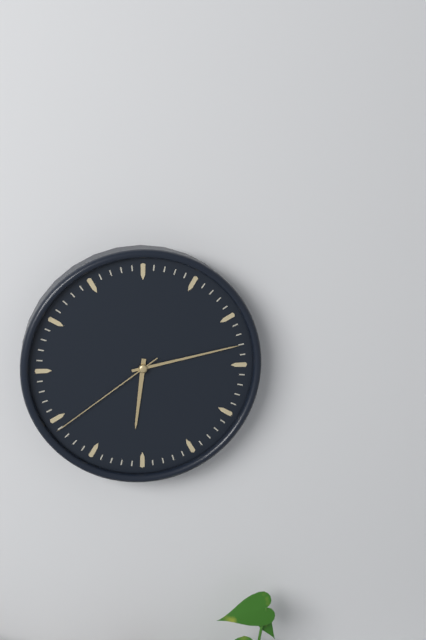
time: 6:13:39
